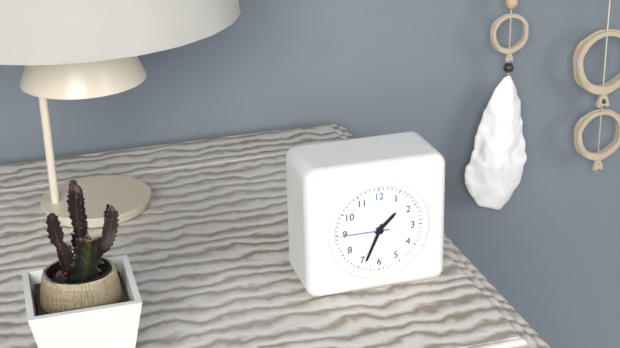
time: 1:34
